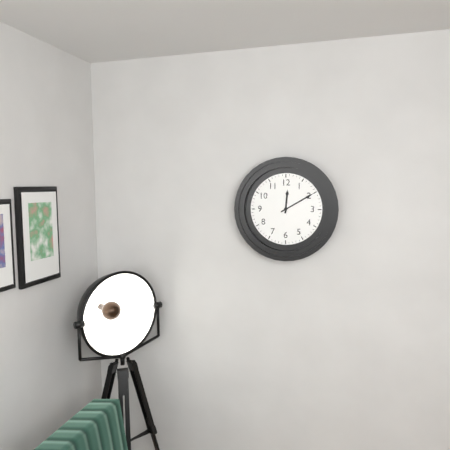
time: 12:10
